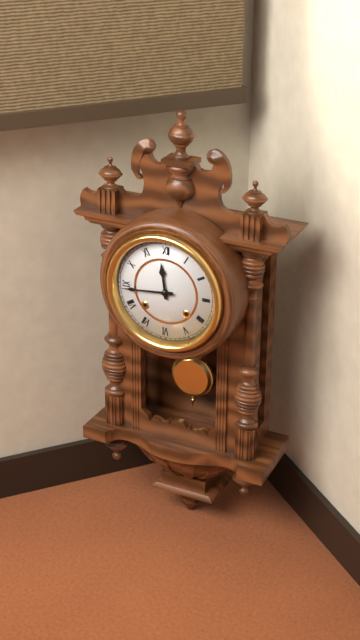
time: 11:44
